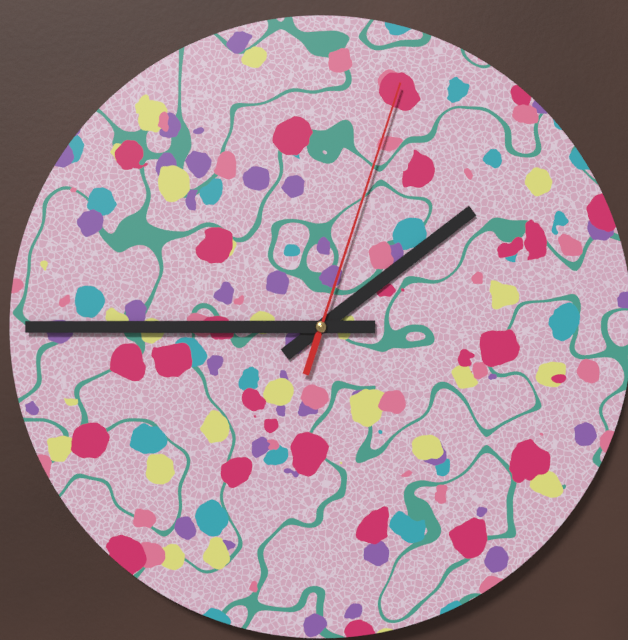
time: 1:45:03
